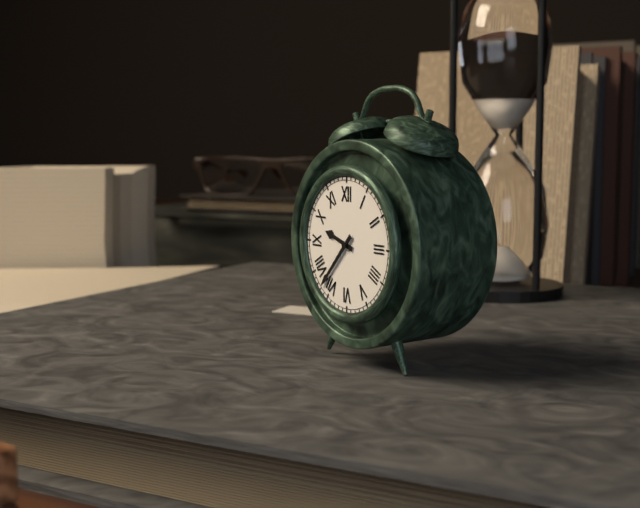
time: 9:37
